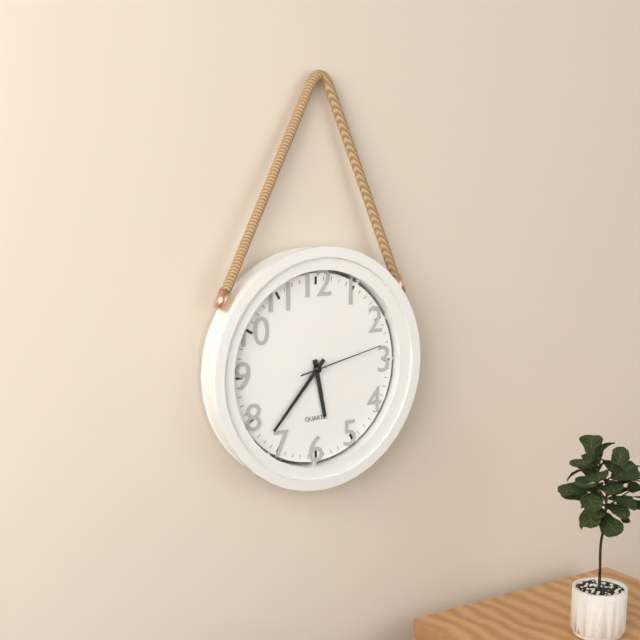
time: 5:37:13
